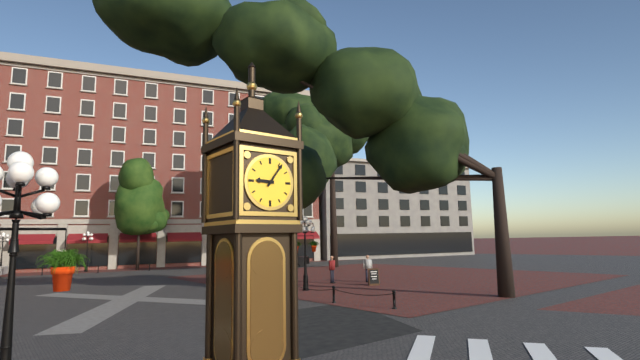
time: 9:06
